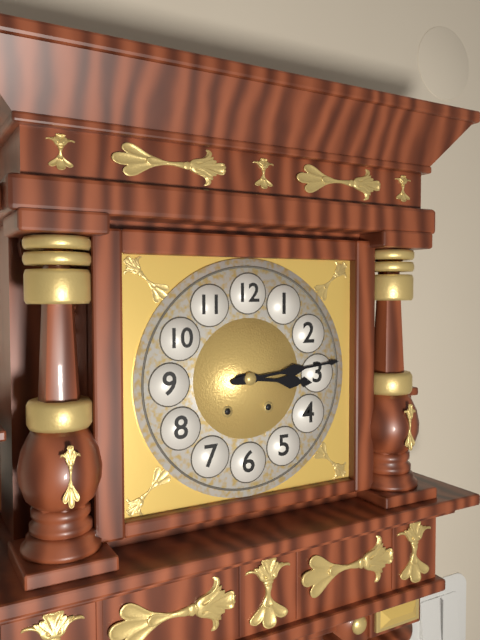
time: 3:14
